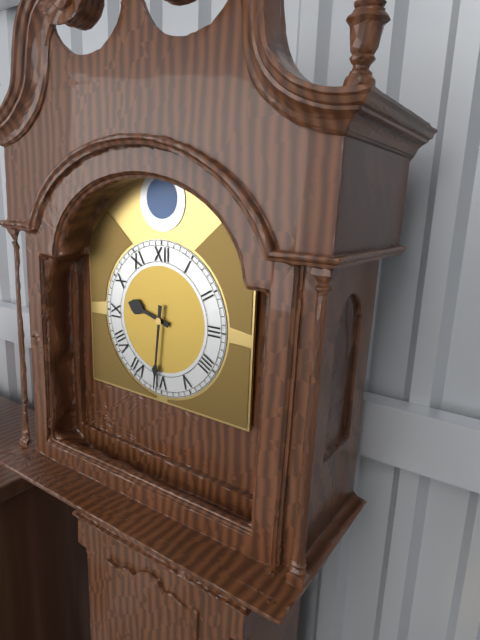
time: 9:31
